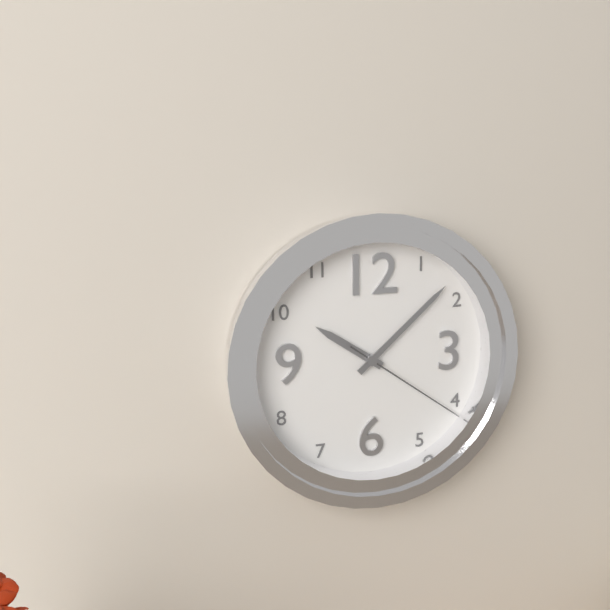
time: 10:08:21
